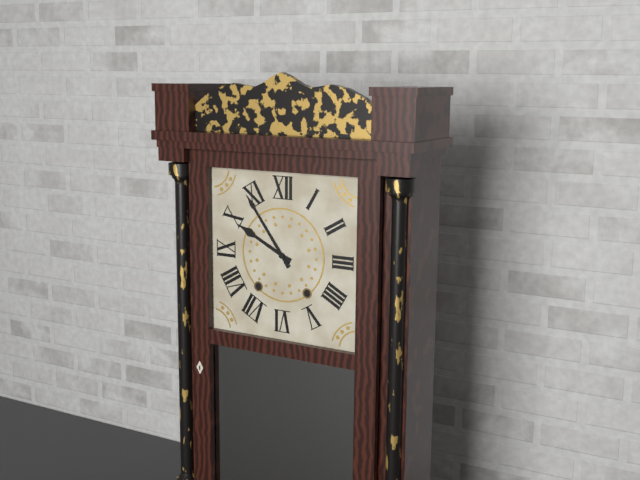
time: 9:54
